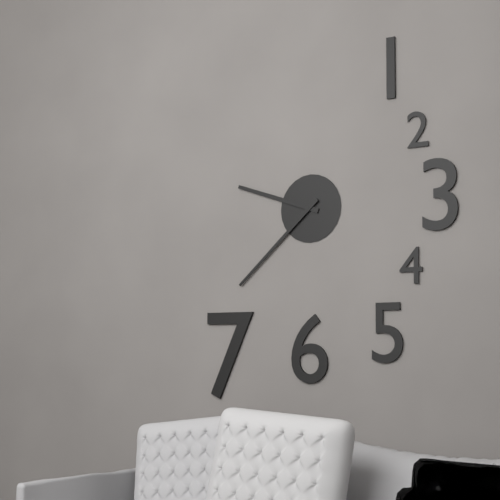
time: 9:38
